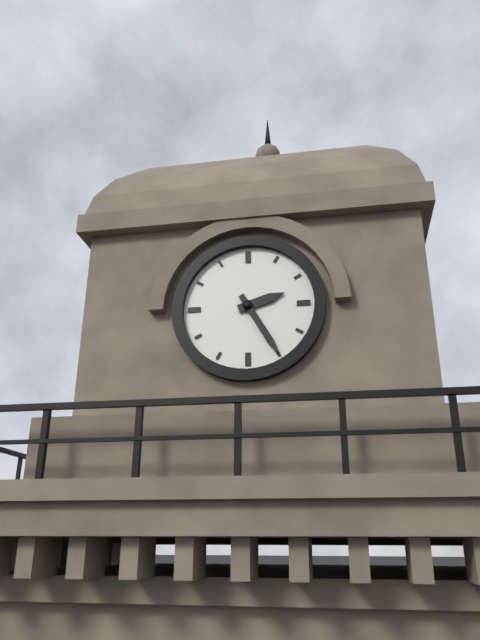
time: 2:25
